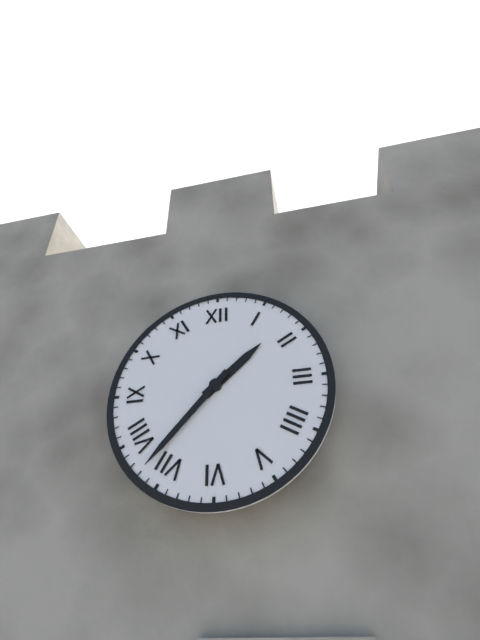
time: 1:37
